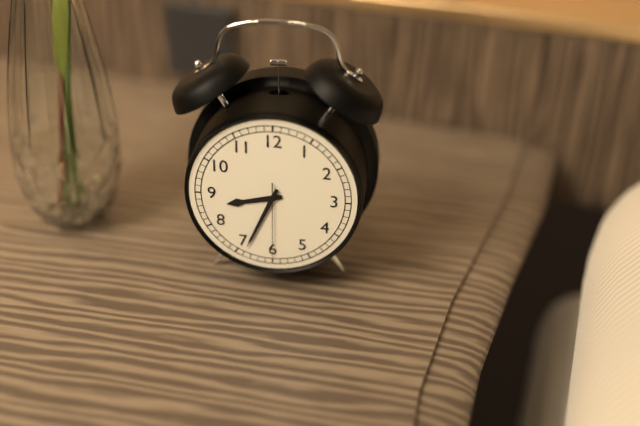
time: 8:34:30
